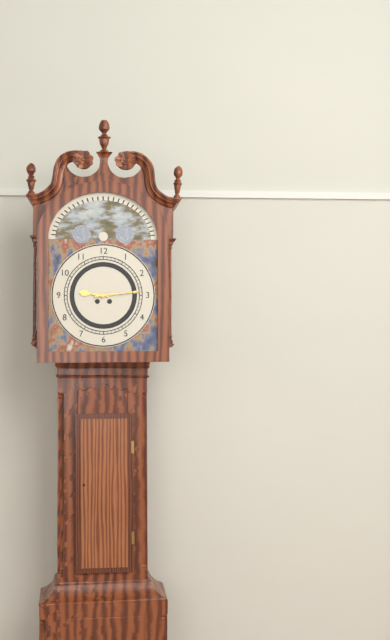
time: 9:14
